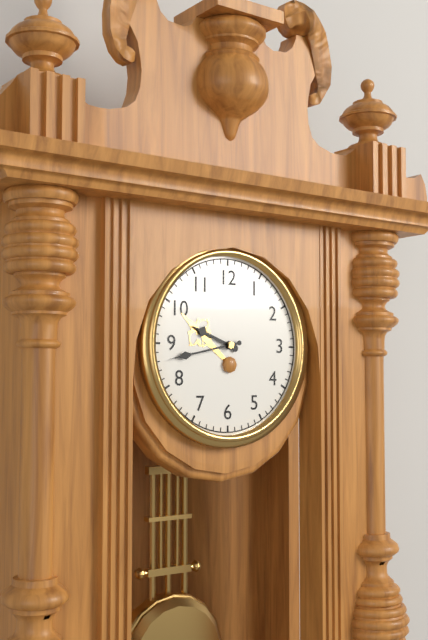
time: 9:43
